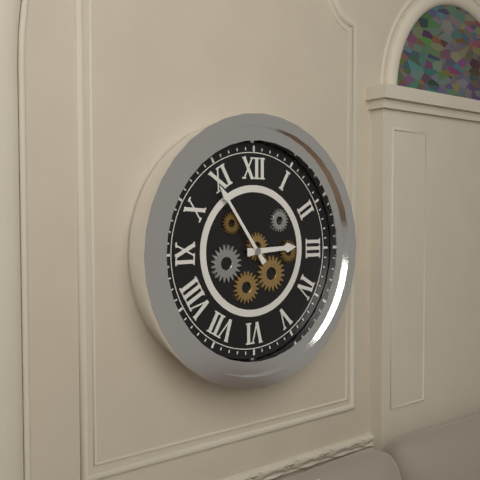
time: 2:54
